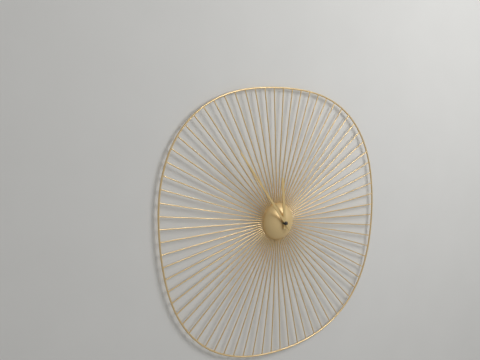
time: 11:54
